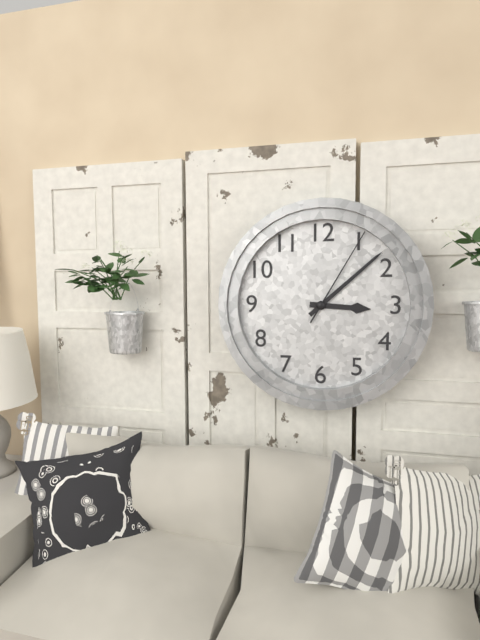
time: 3:08:05
